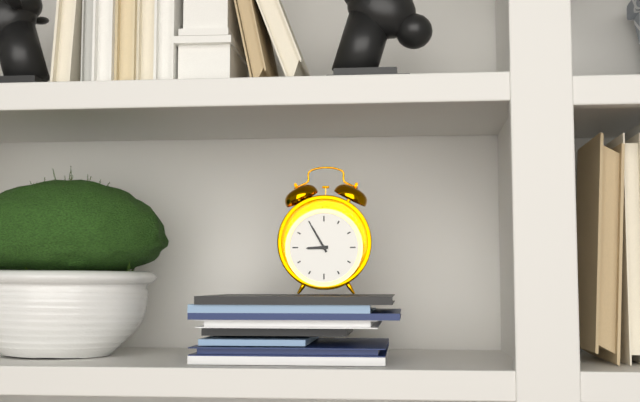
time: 8:55
